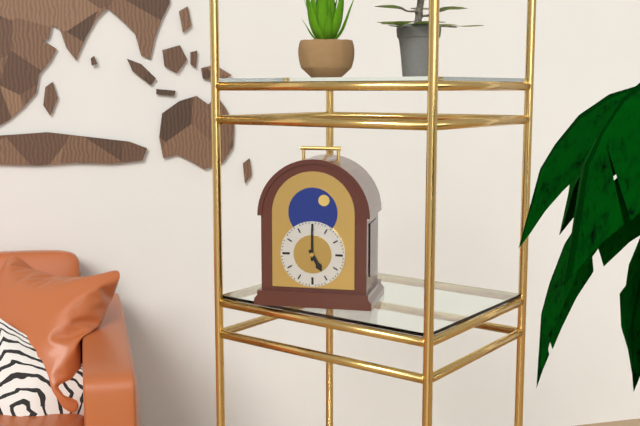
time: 5:00
